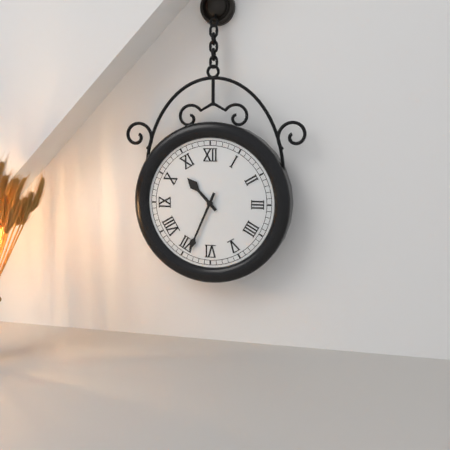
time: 10:34
